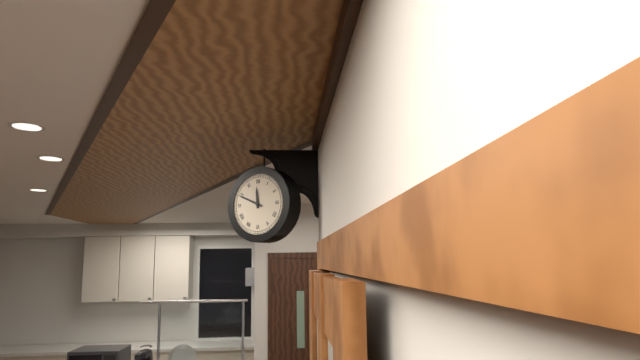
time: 11:49
